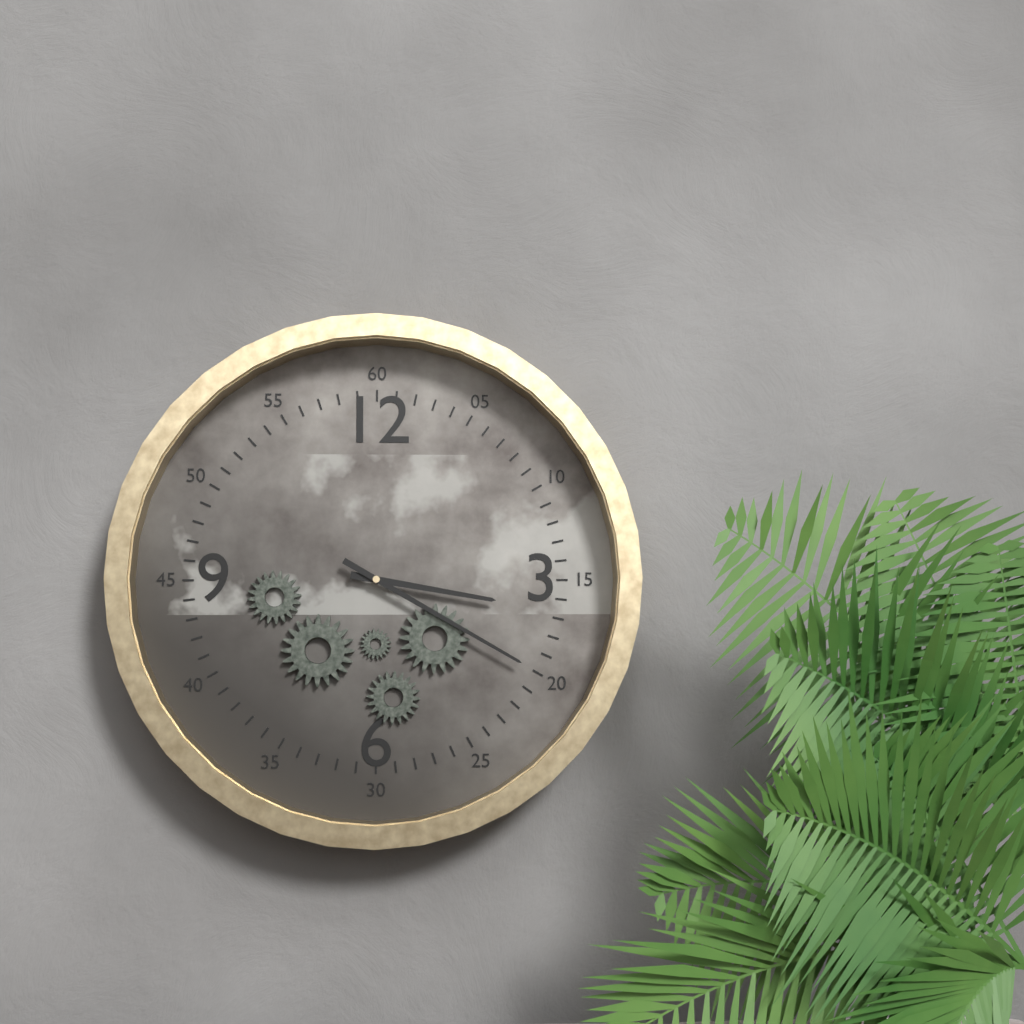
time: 3:20
